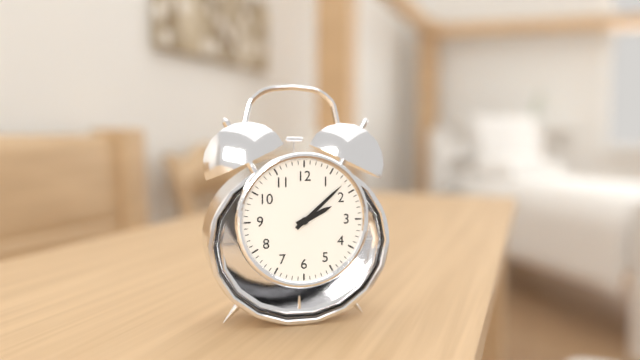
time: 2:08
